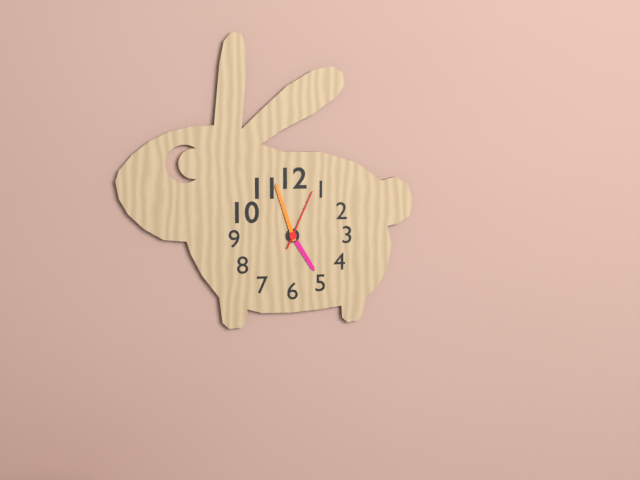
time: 4:57:04
